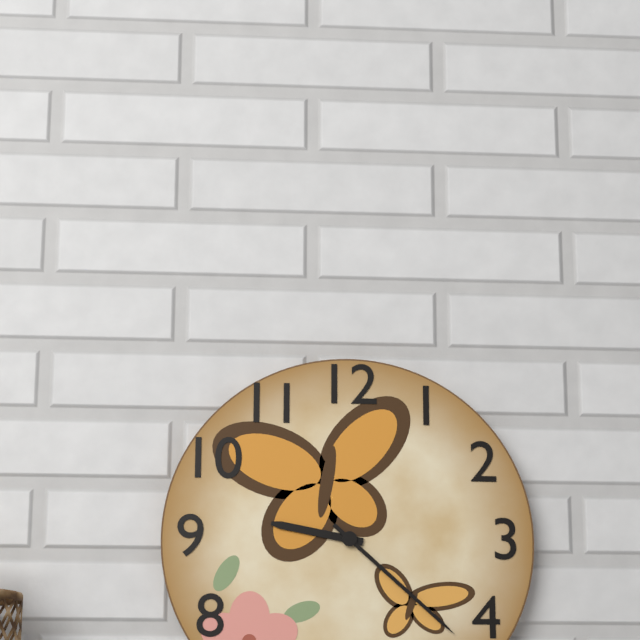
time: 9:22
